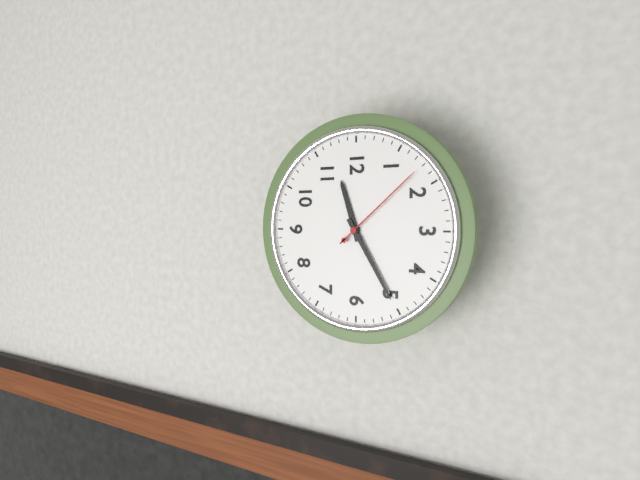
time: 11:25:08
